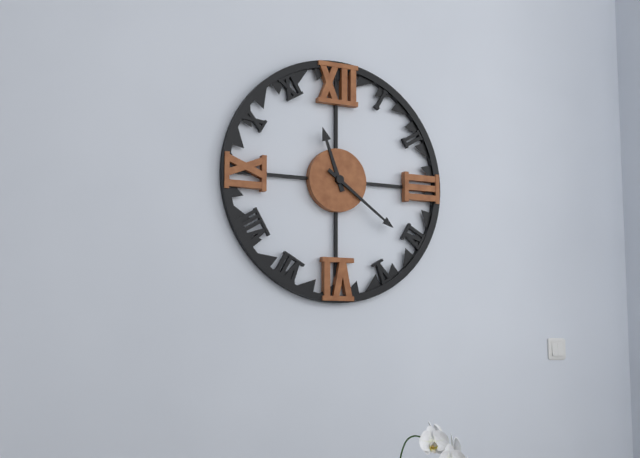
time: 11:21
